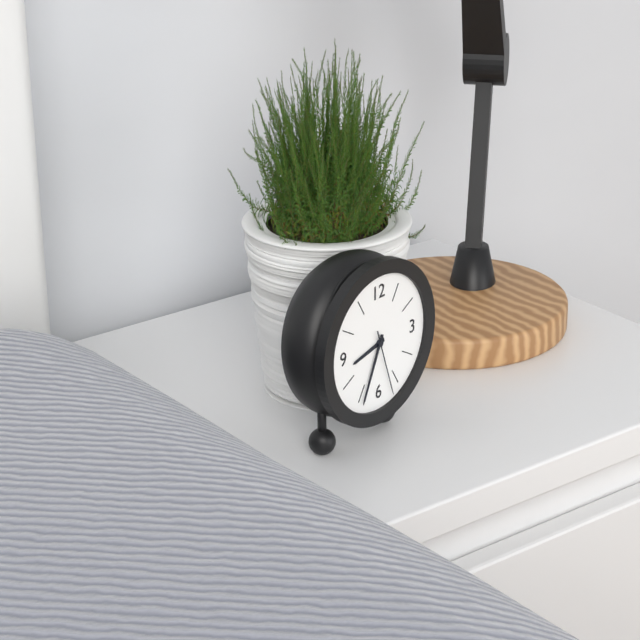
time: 8:34:27
